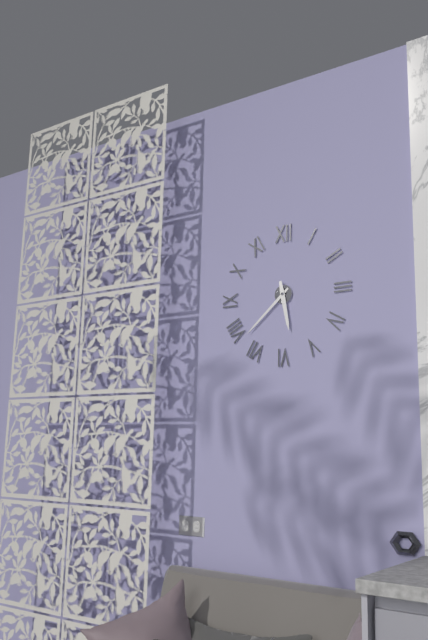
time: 5:38
